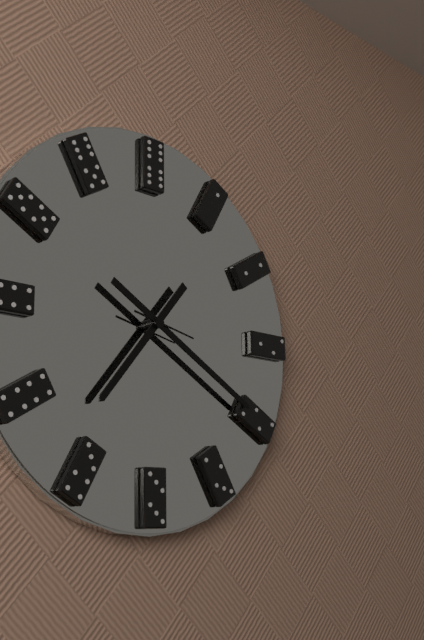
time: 7:20:17
